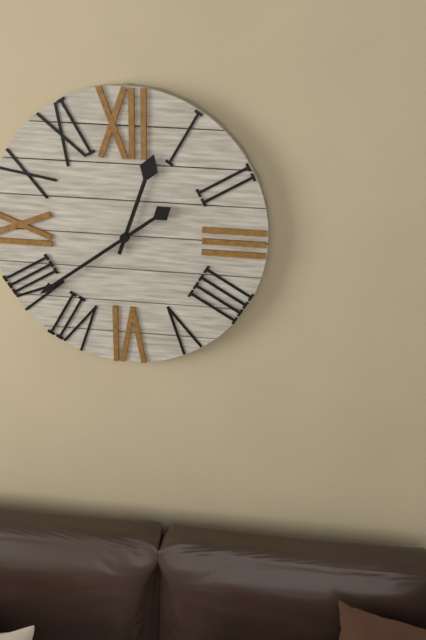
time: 12:39
